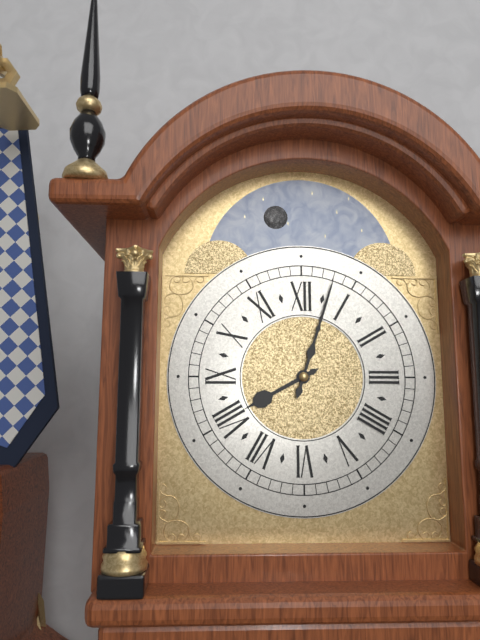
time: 8:03
